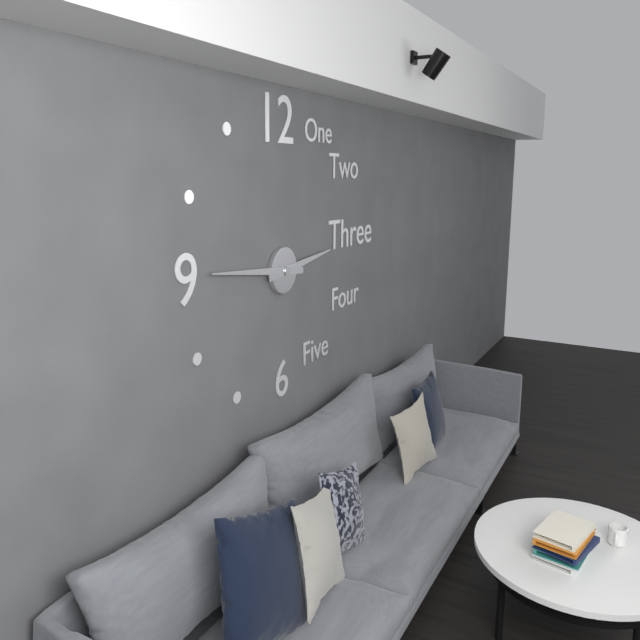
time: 2:46
